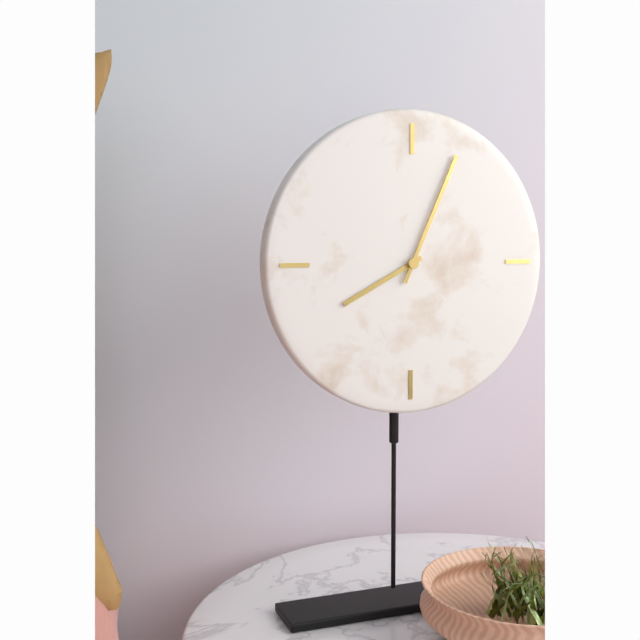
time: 8:04
